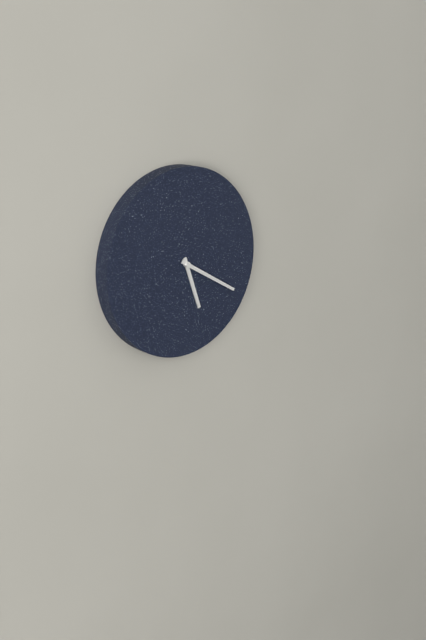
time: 5:20
